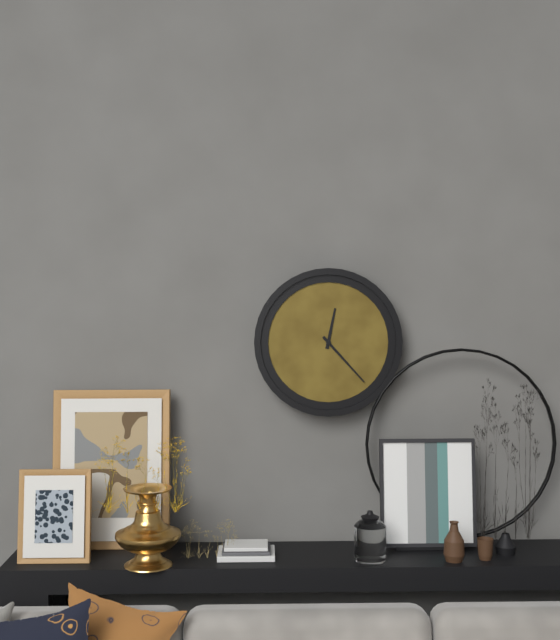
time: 12:23
